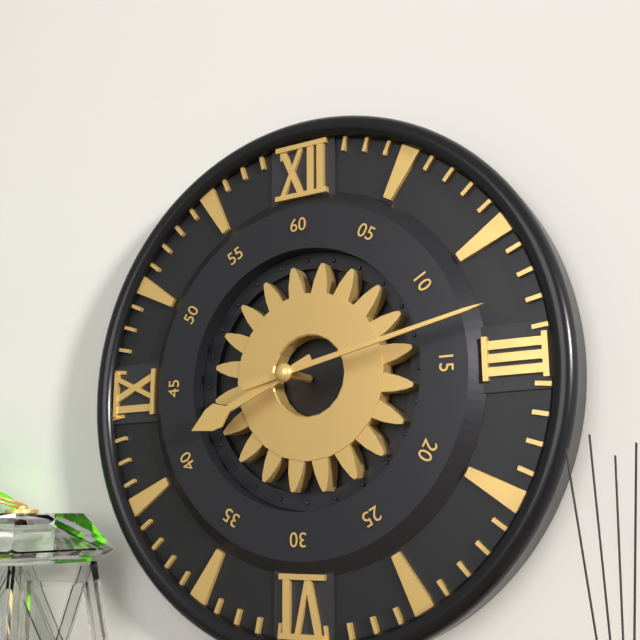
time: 8:13
